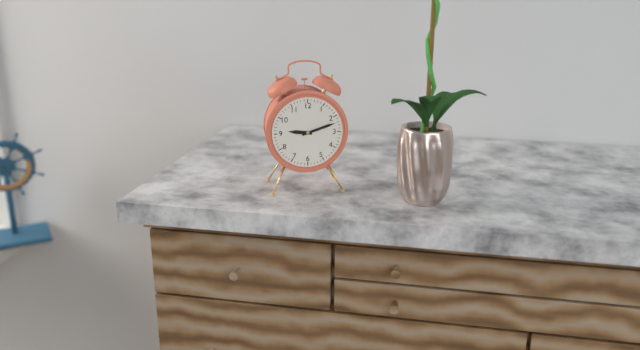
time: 9:12
